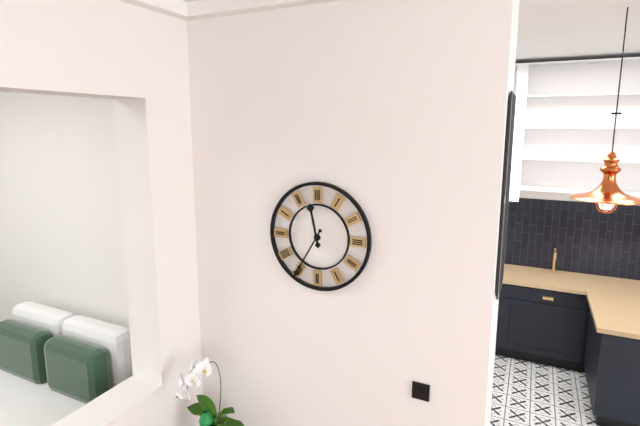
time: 11:35
